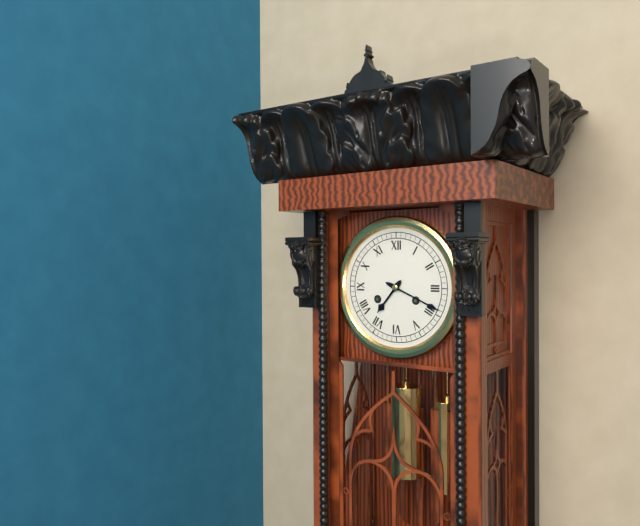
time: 7:19
